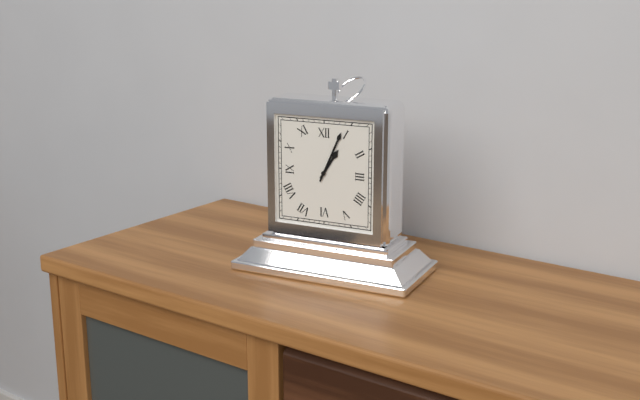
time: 1:04
